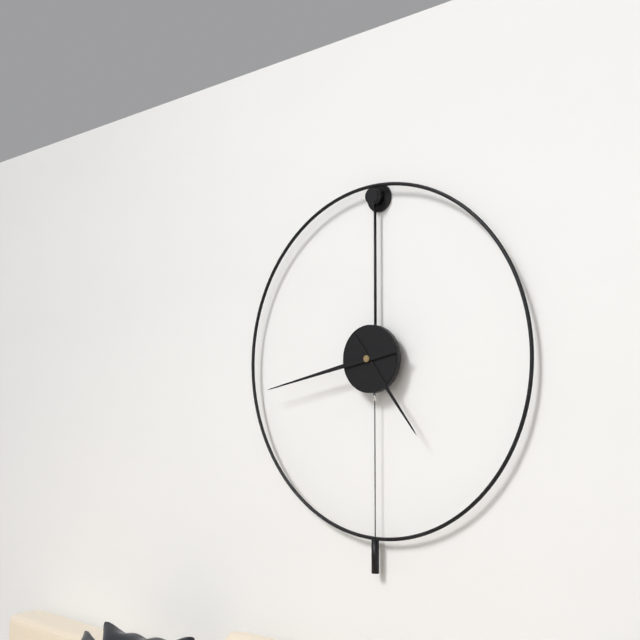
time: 4:43
